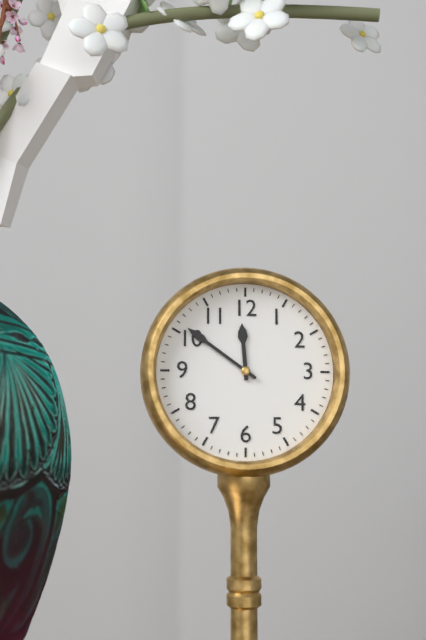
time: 11:51
